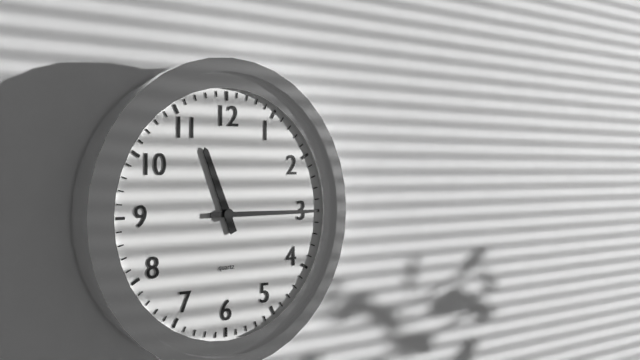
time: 11:15
